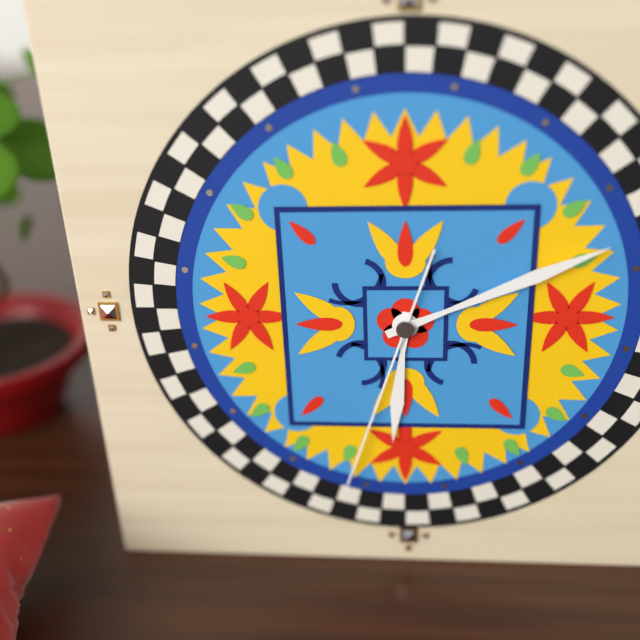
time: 6:11:33
